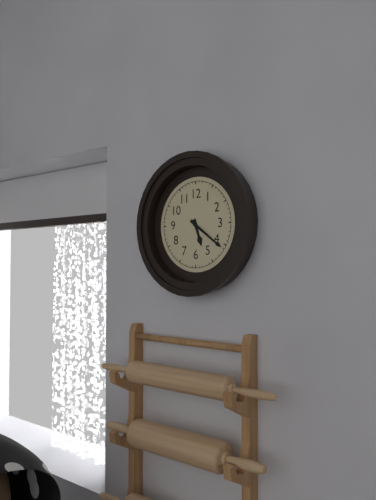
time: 5:21
